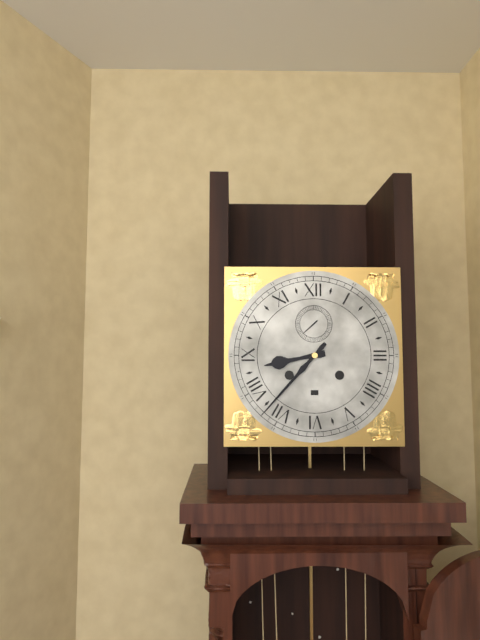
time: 8:37
